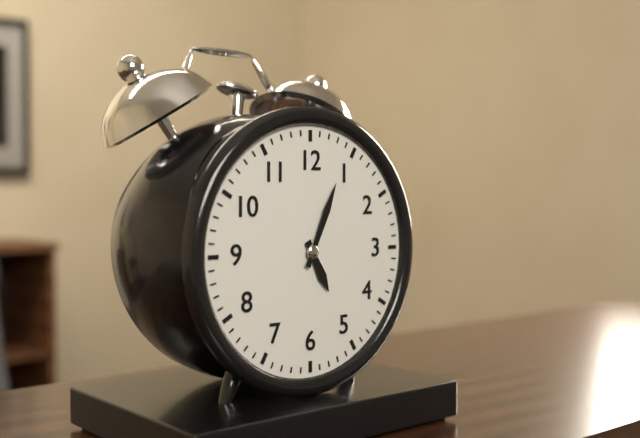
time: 5:04
